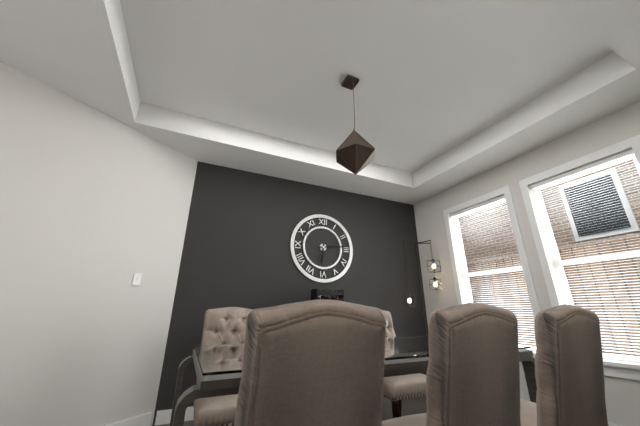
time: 6:14
